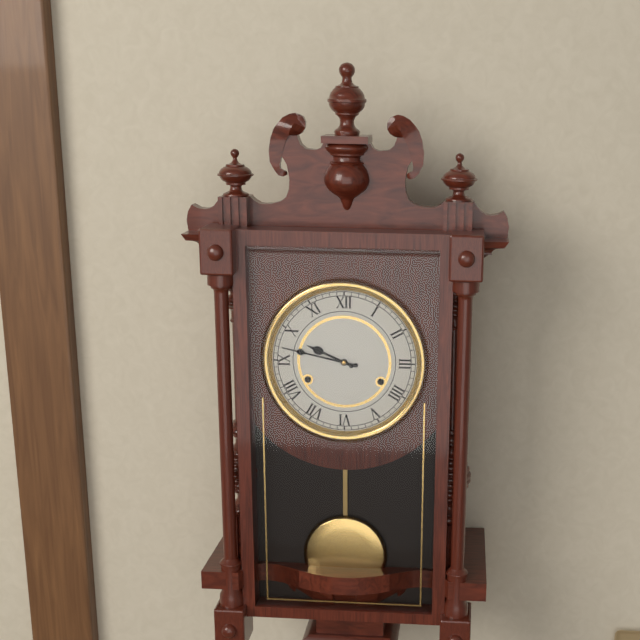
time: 9:47
